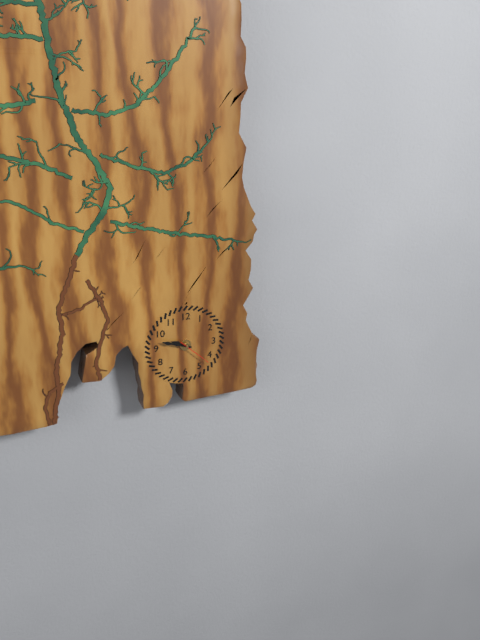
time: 9:48
